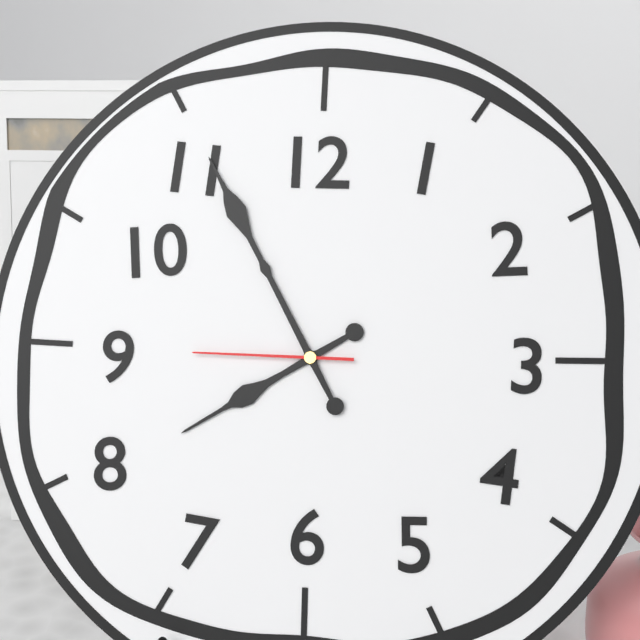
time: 7:55:45
